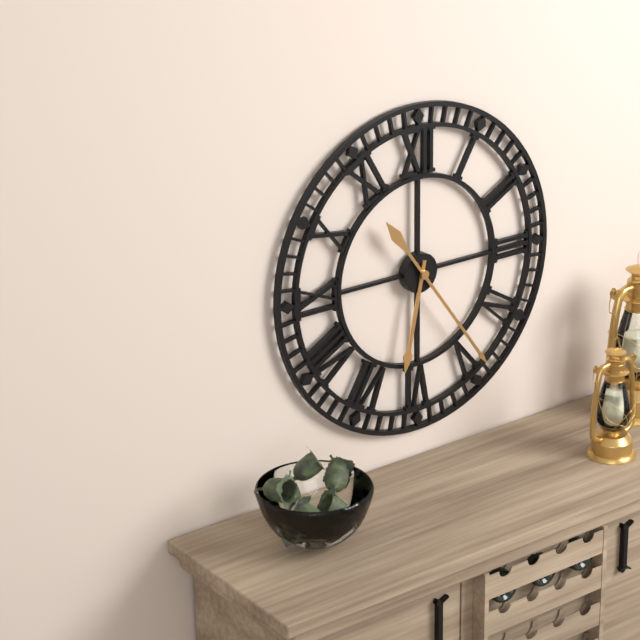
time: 6:24
